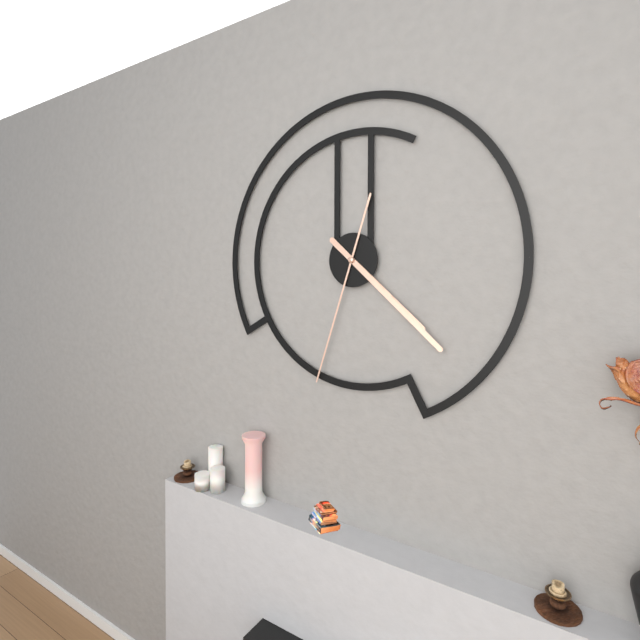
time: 4:22:33
